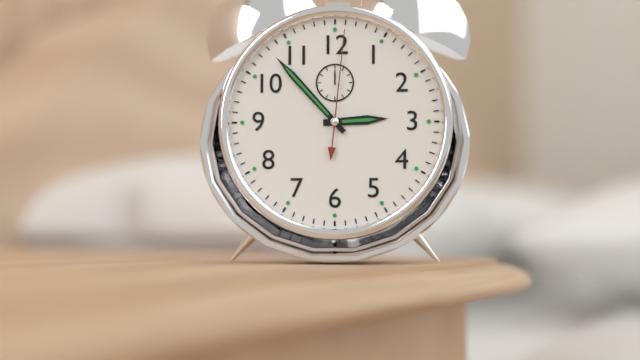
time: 2:53:01
